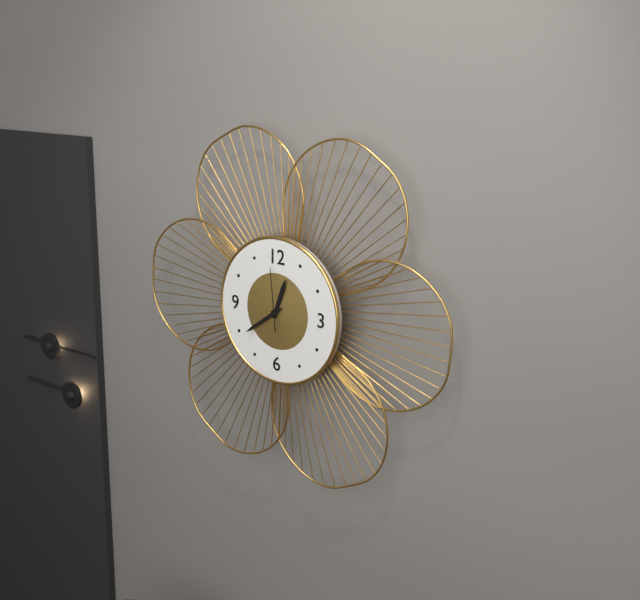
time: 12:39:59
